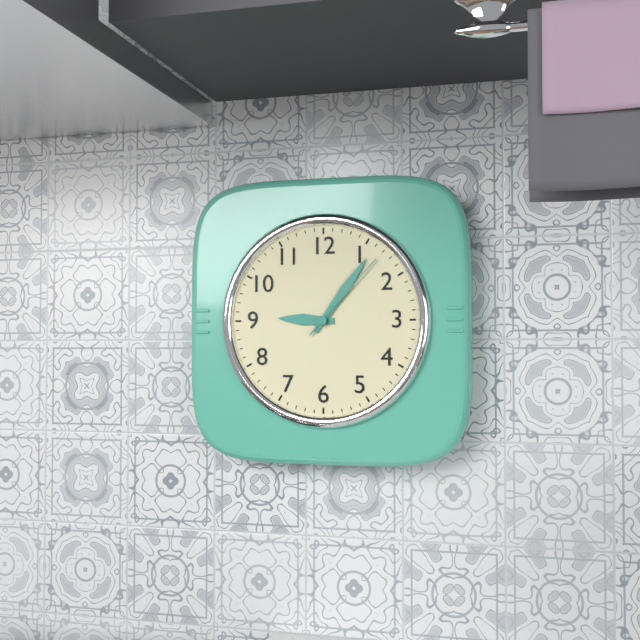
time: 9:06:07
